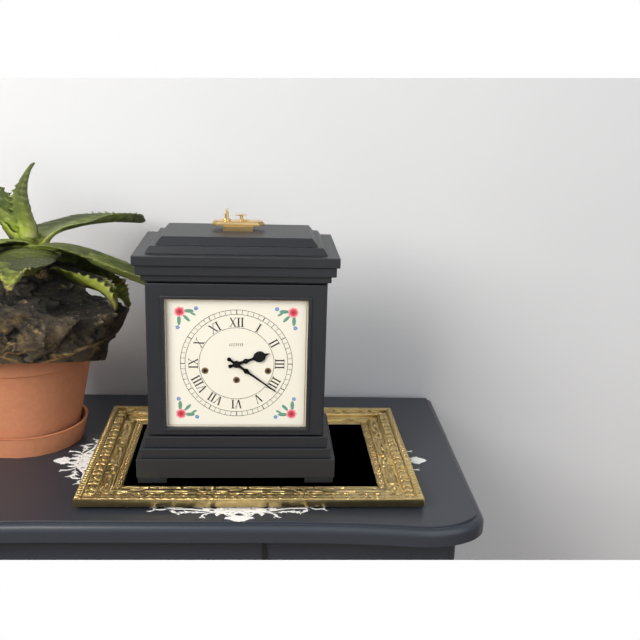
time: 2:21
